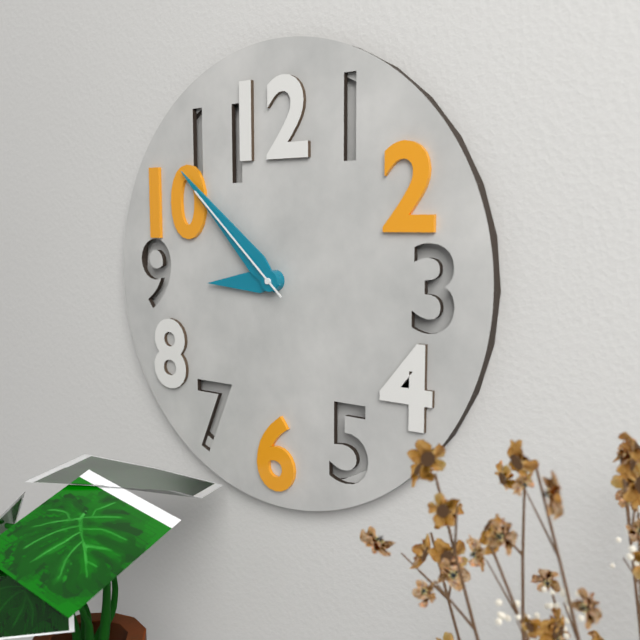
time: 8:52:52
